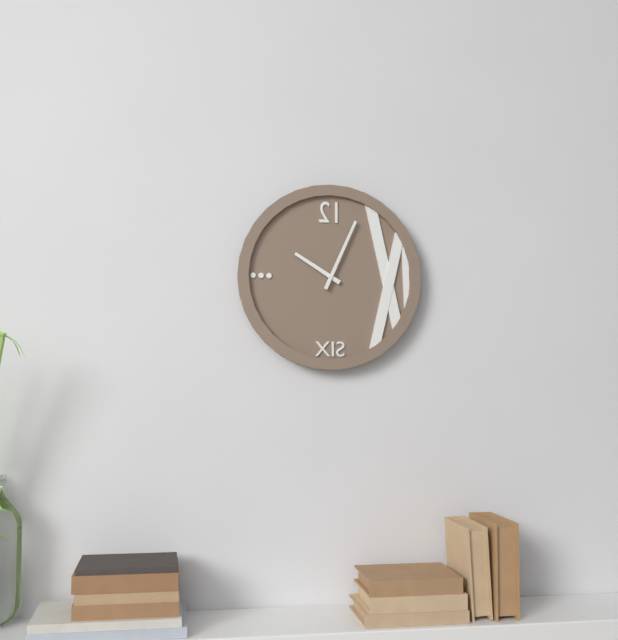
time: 10:04
